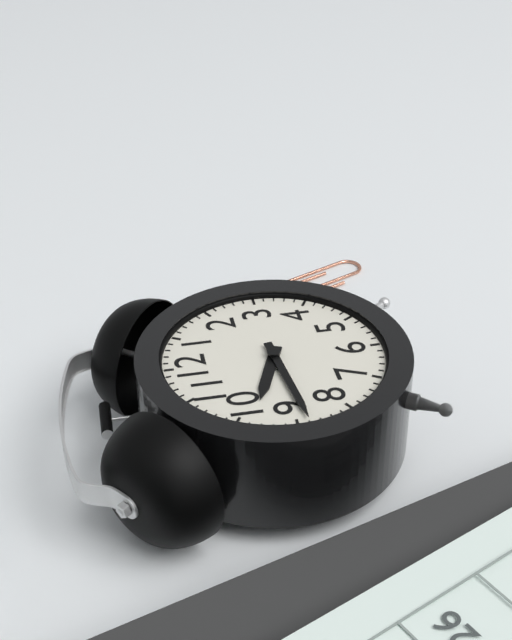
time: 9:44
